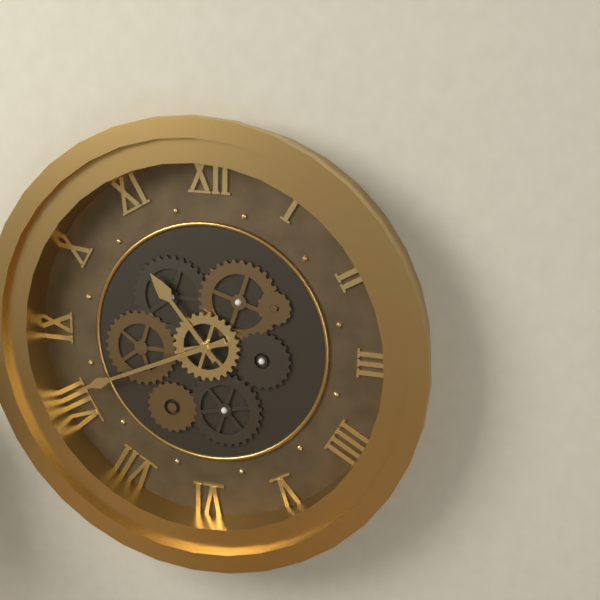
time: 10:41
